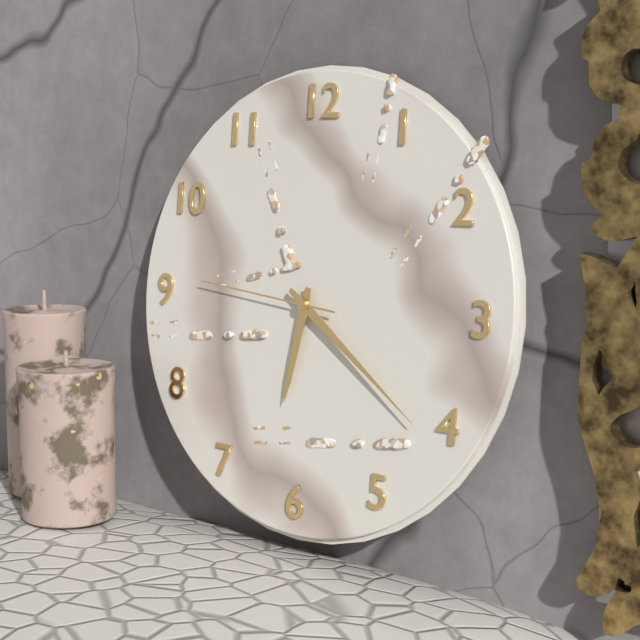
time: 6:21:46
